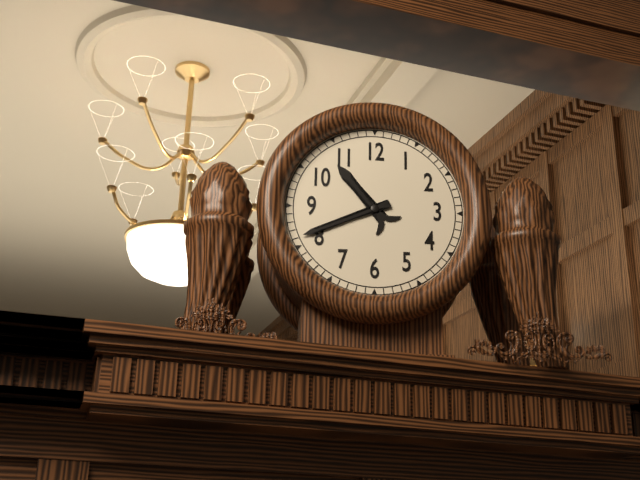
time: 10:41
